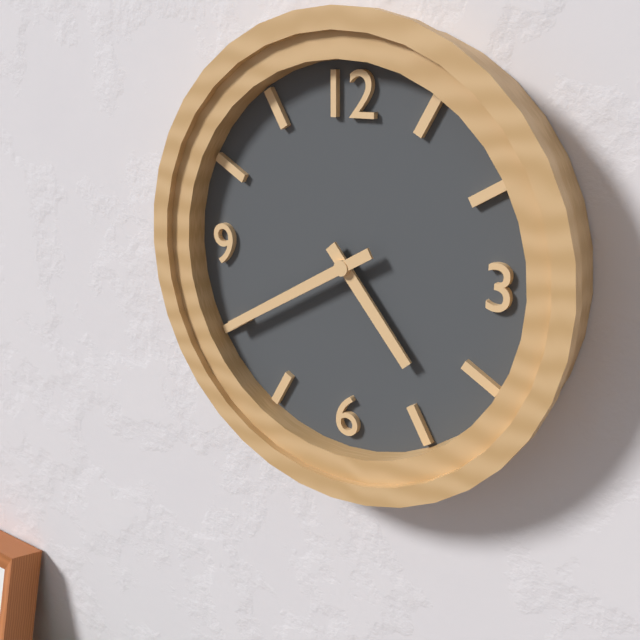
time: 4:40
